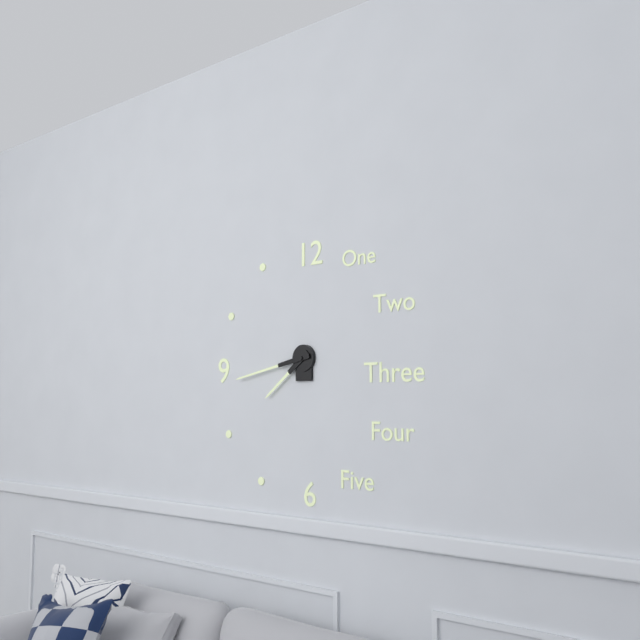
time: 7:43
